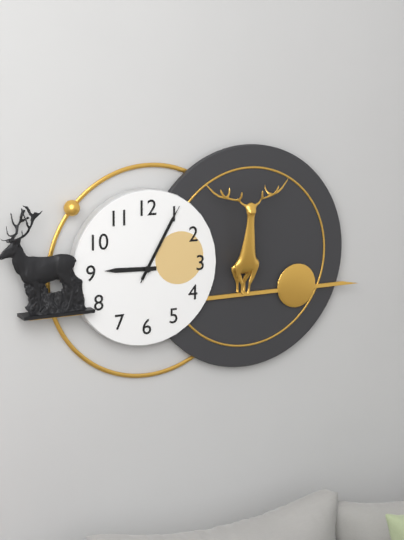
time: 9:05:05
